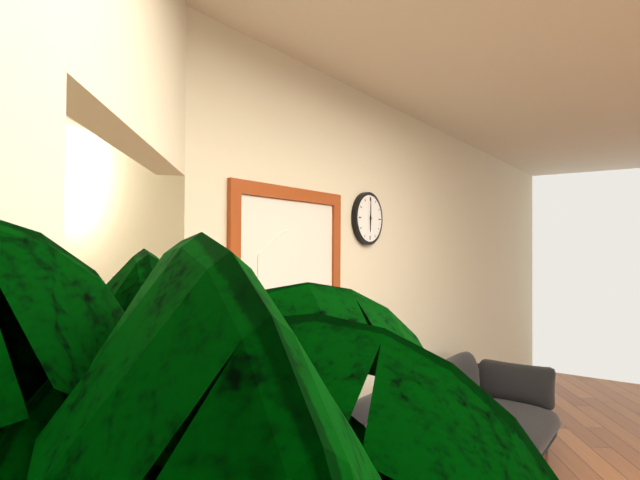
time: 6:00
